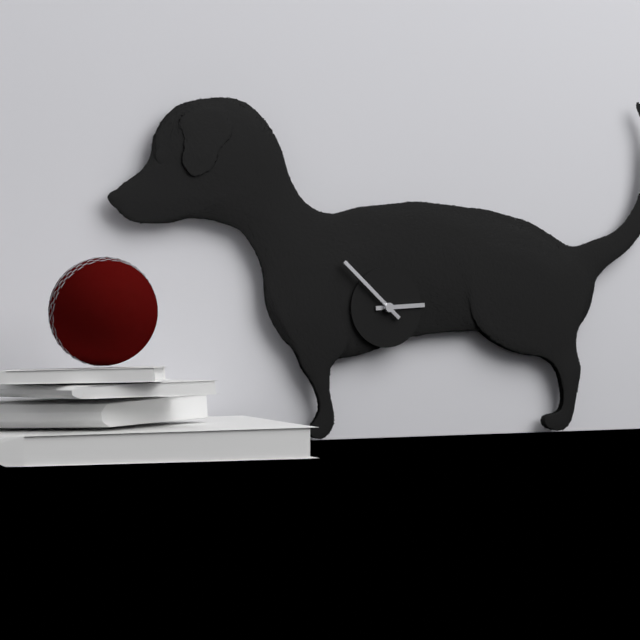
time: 2:52
